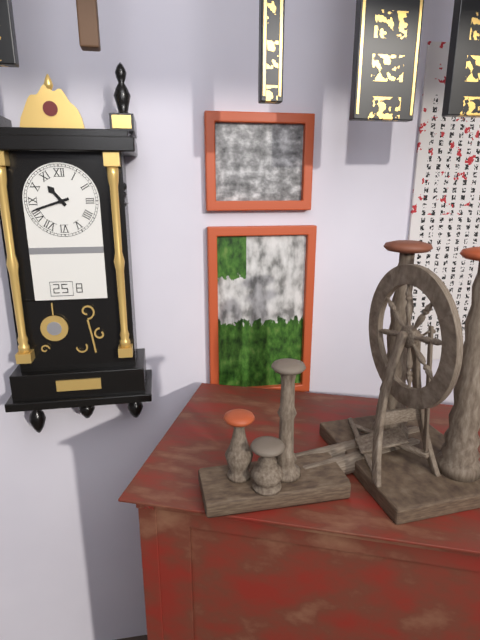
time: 10:42
